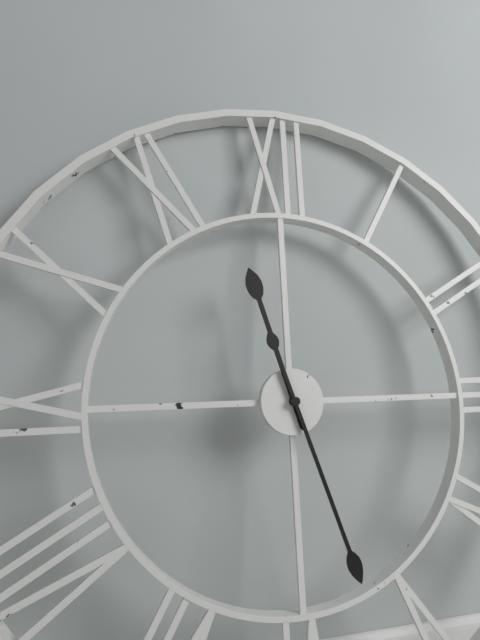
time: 11:27
